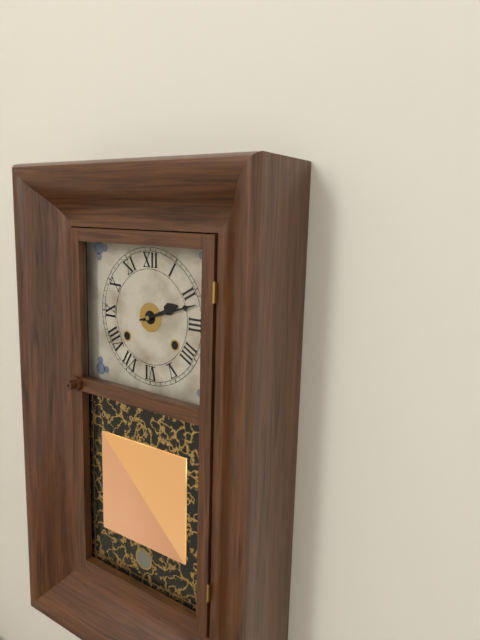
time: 2:12
